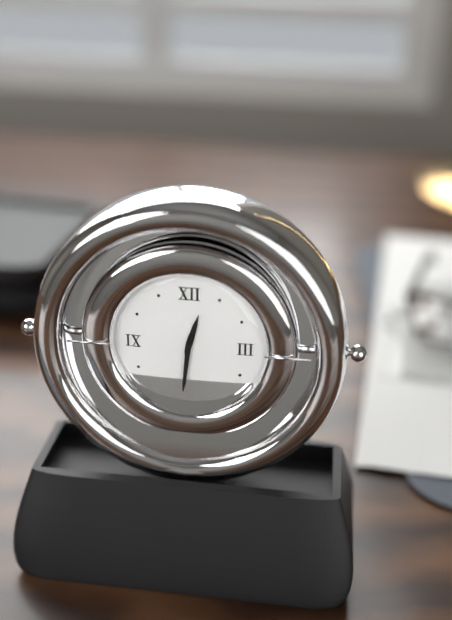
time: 12:31
